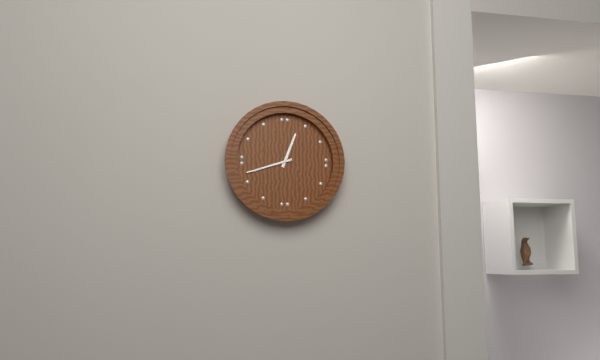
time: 12:42
